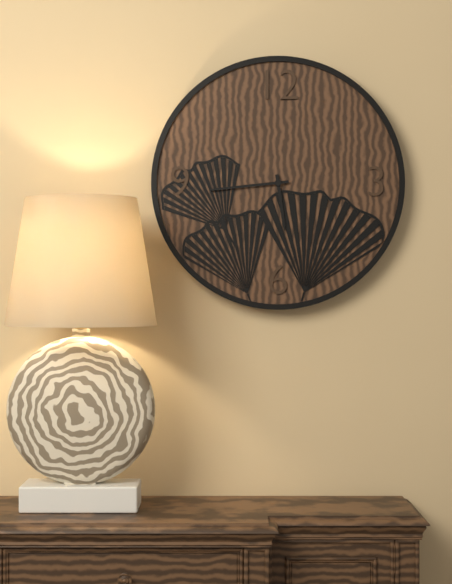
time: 5:44
